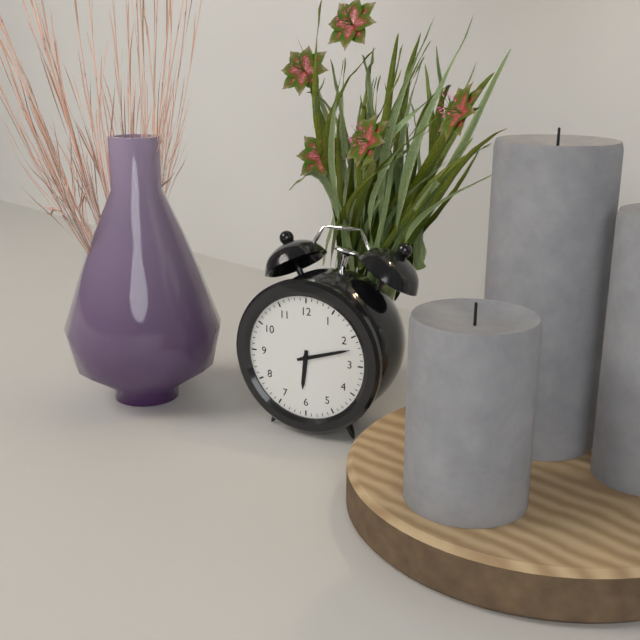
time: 6:12
